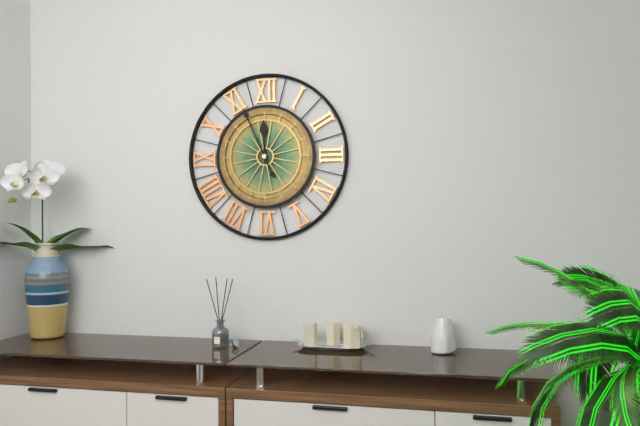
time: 11:56
